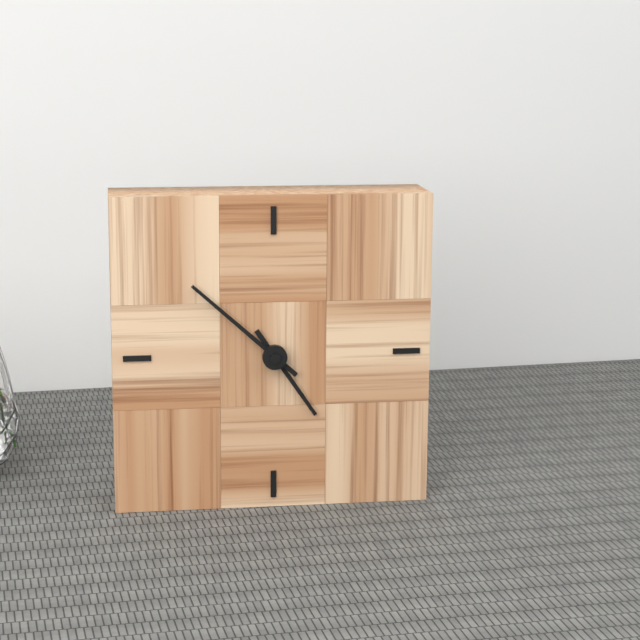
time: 4:52
